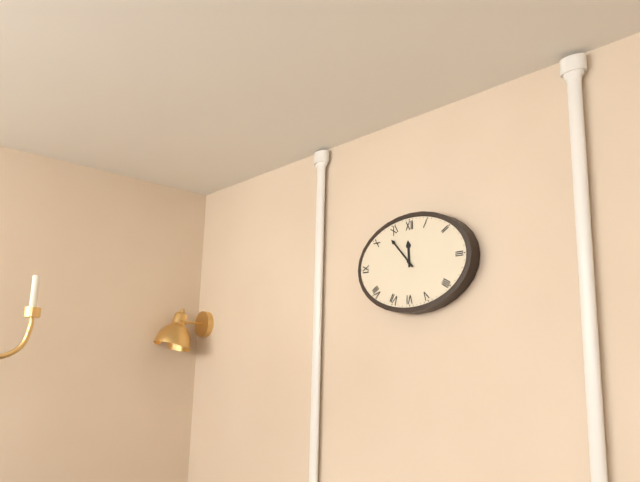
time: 11:53
